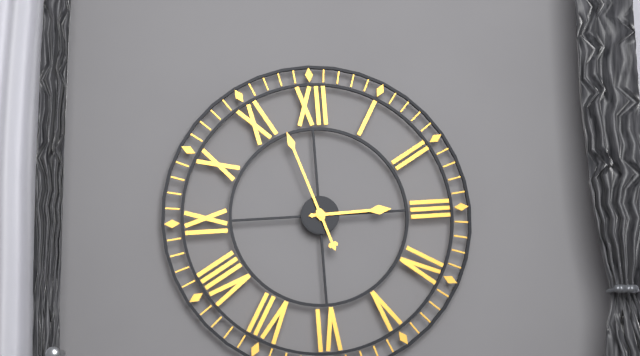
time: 2:57
